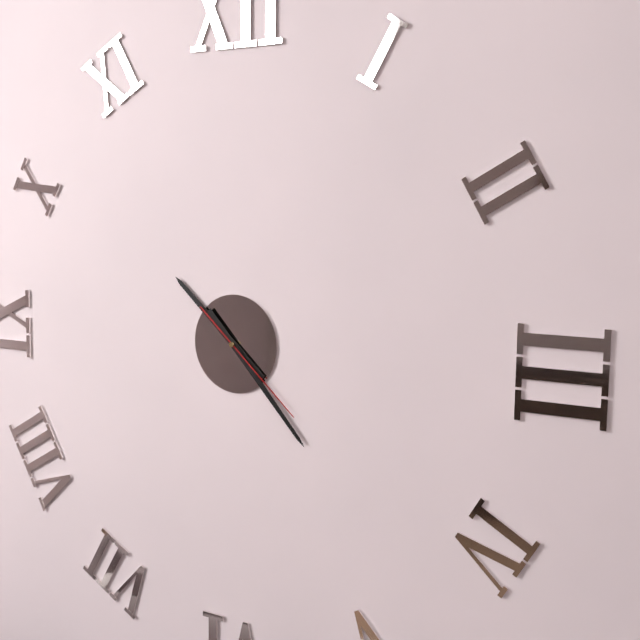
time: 10:23:22
